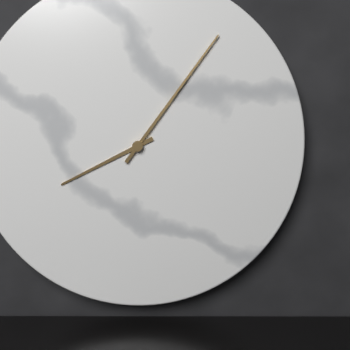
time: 8:06
